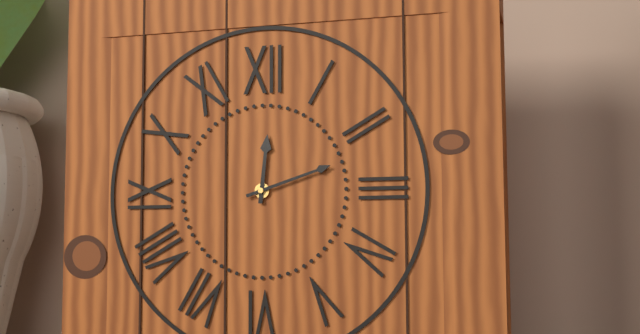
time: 12:12
